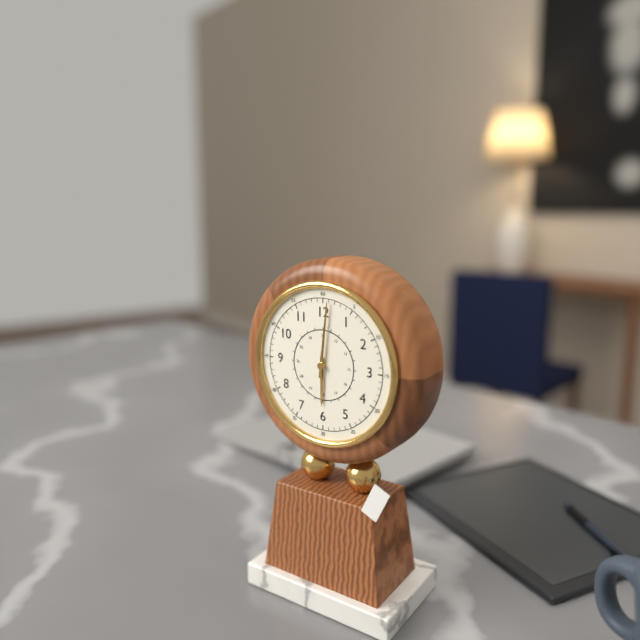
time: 6:01
